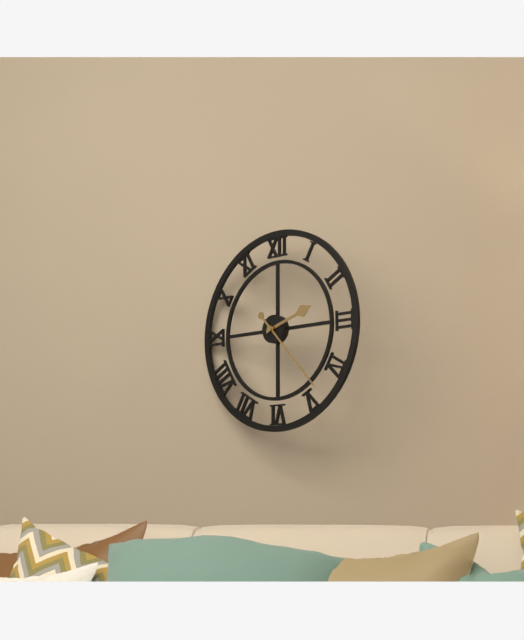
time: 2:23
